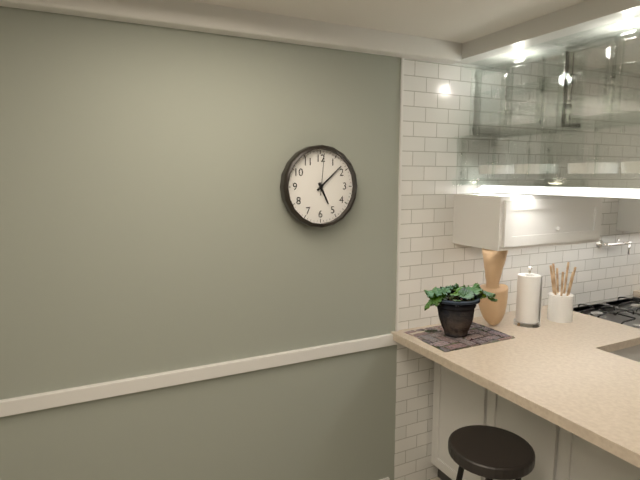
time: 5:08
